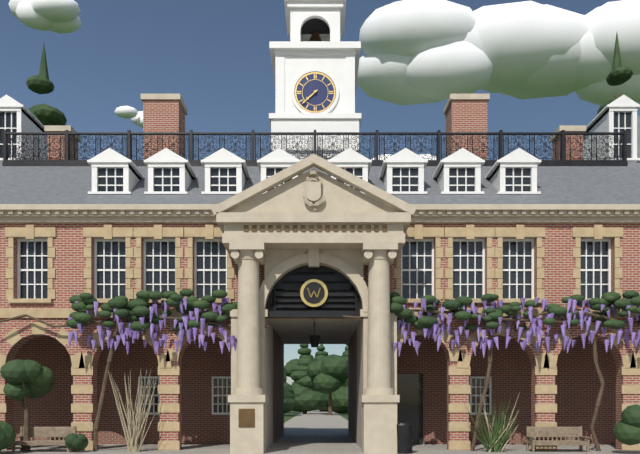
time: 7:38
